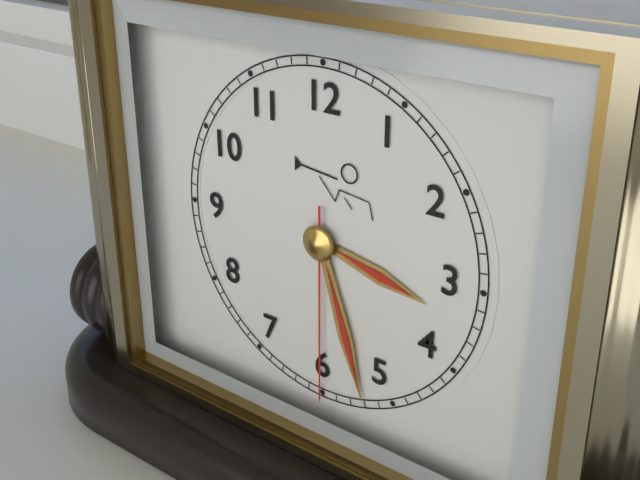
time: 3:27:30
